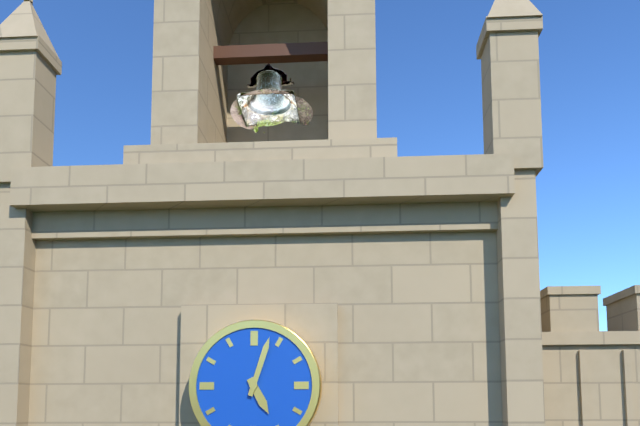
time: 5:03
